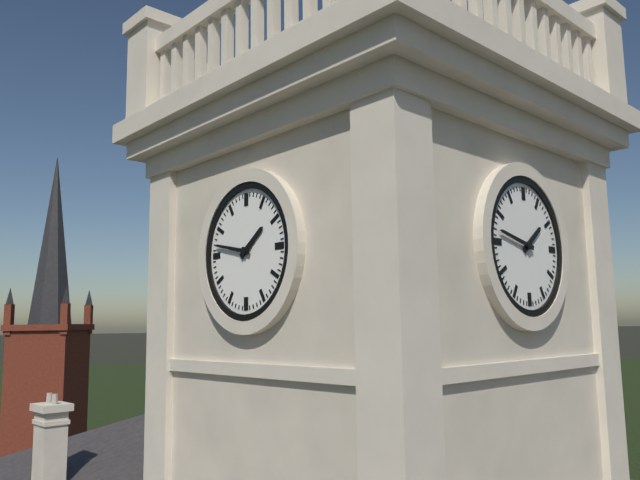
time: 1:47
